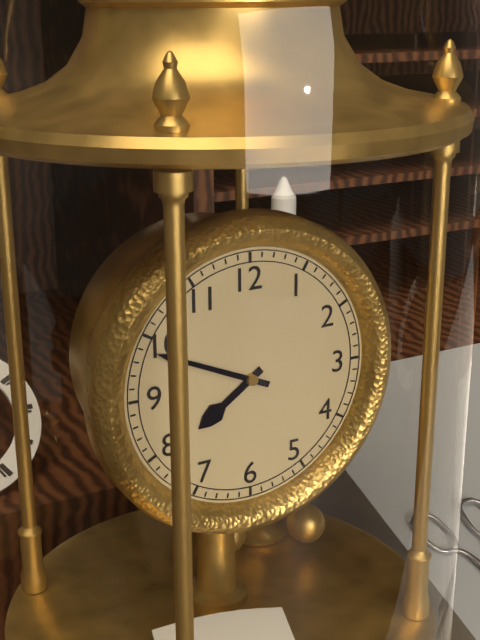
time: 7:49
